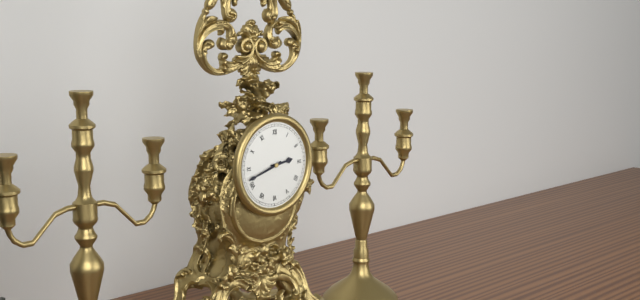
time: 2:42
